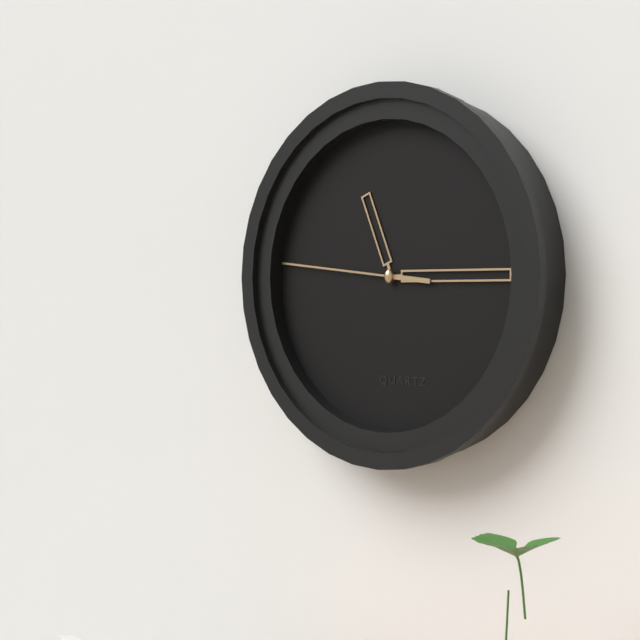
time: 11:15:46
